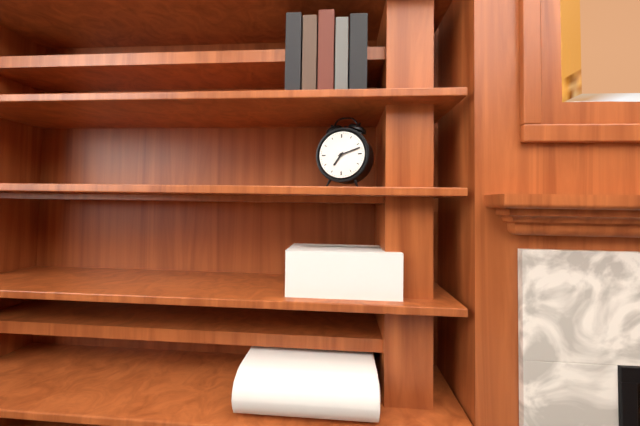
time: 7:12
